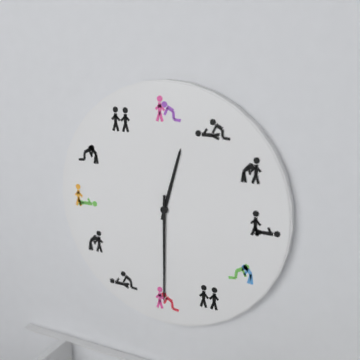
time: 12:30
